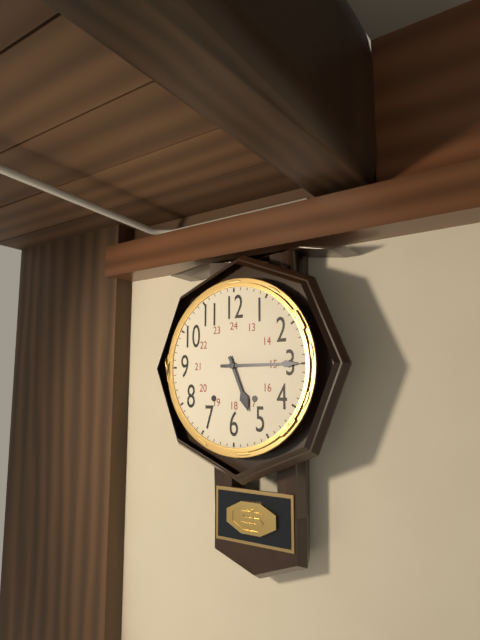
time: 5:15
